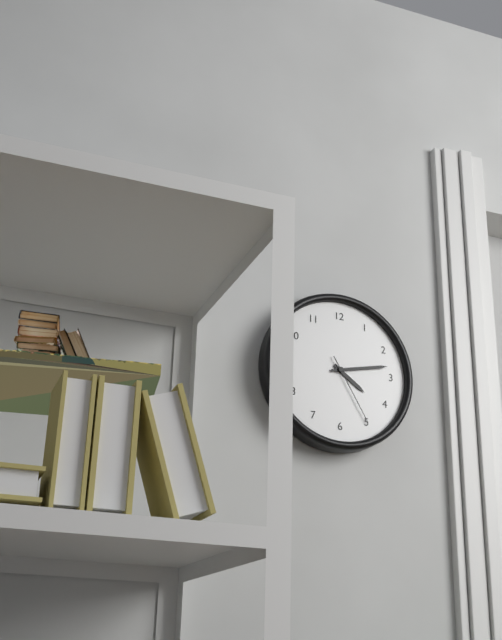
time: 4:13:25
